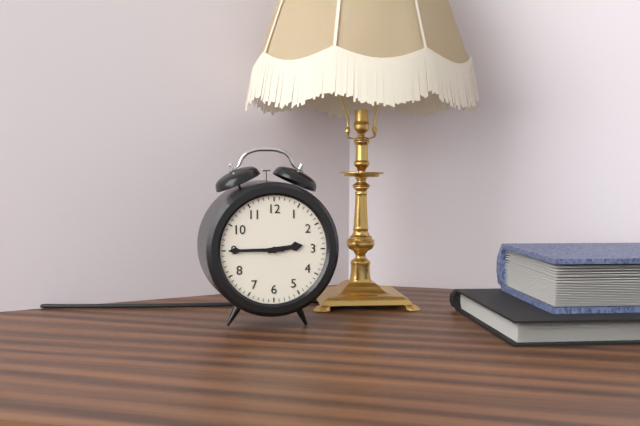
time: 2:45
